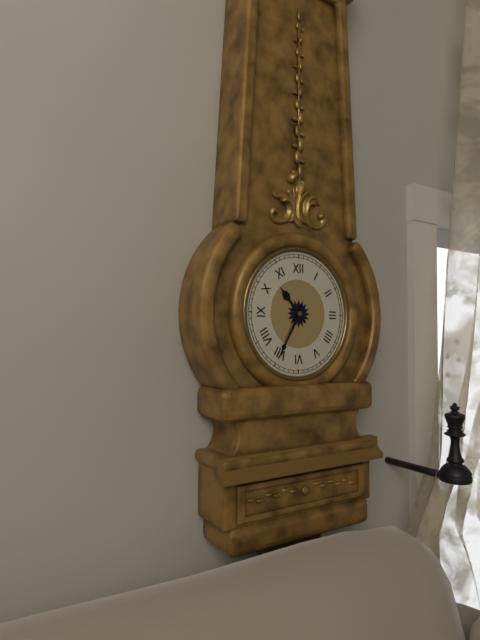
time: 10:35
